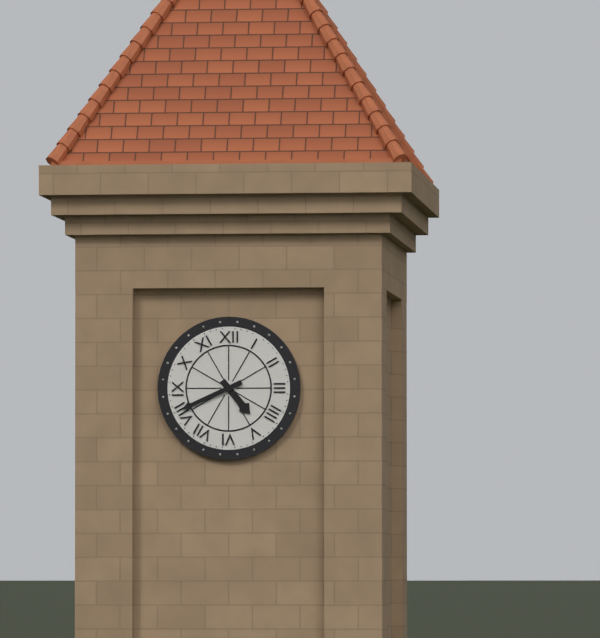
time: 4:41
